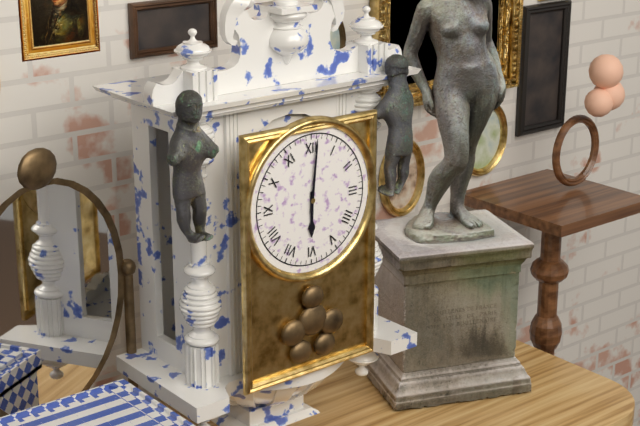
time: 6:01
